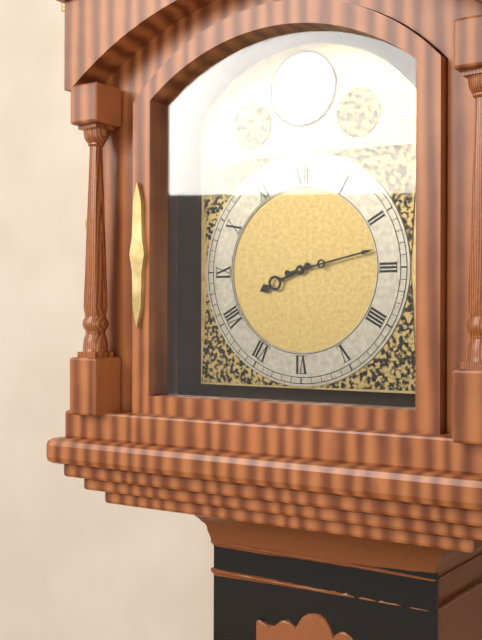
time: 8:13
